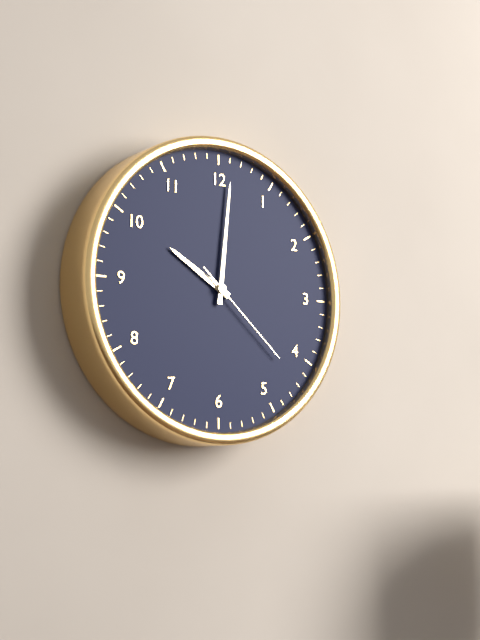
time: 10:01:22
